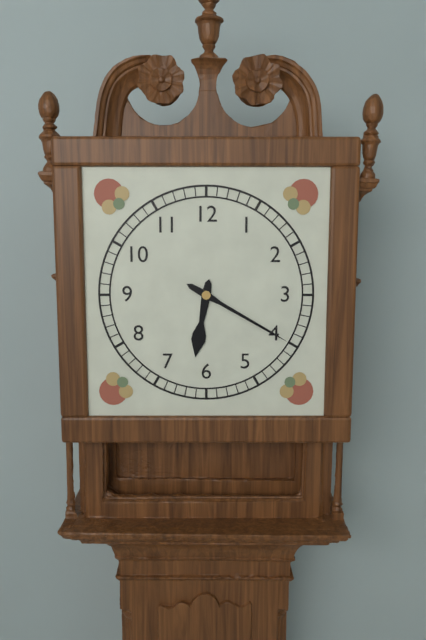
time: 6:20
